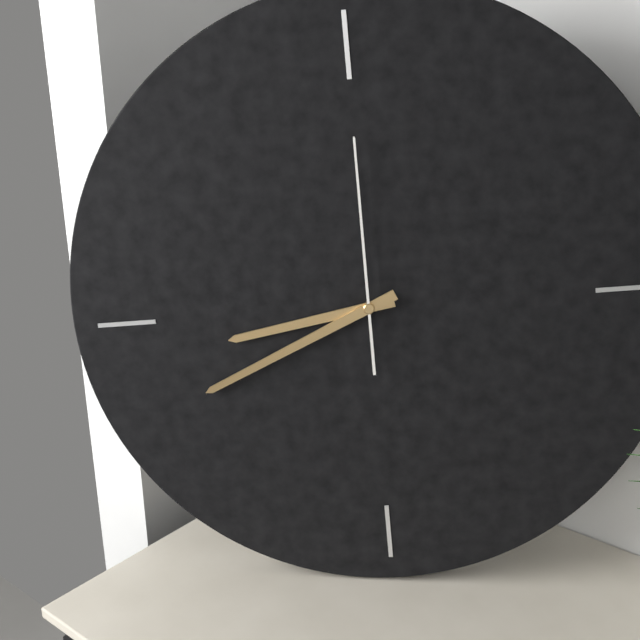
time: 8:41:00
